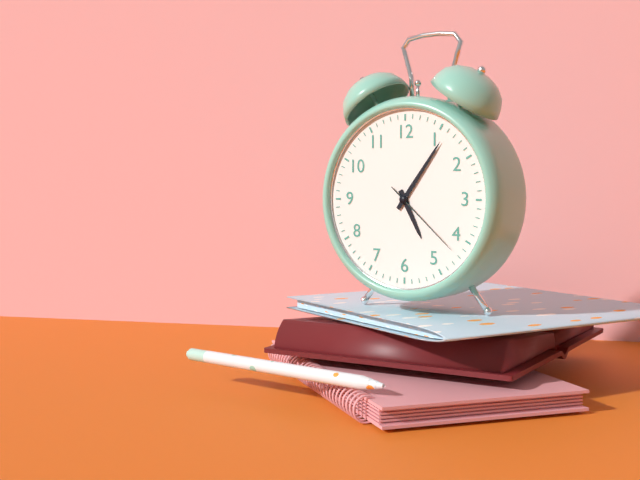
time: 5:06:22
